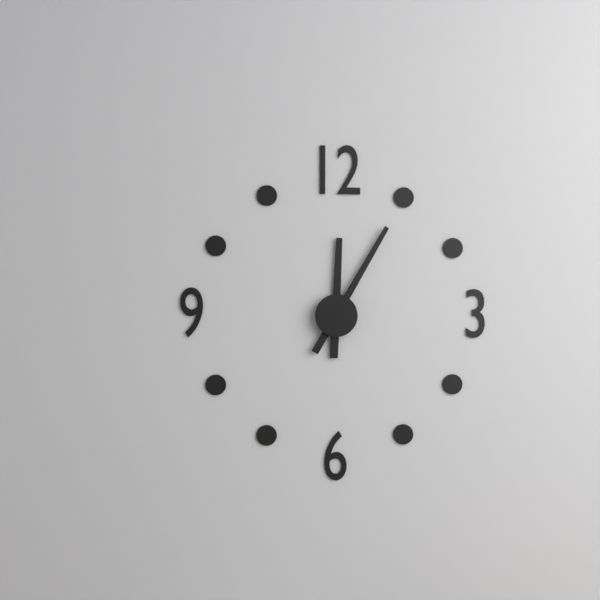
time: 12:05
